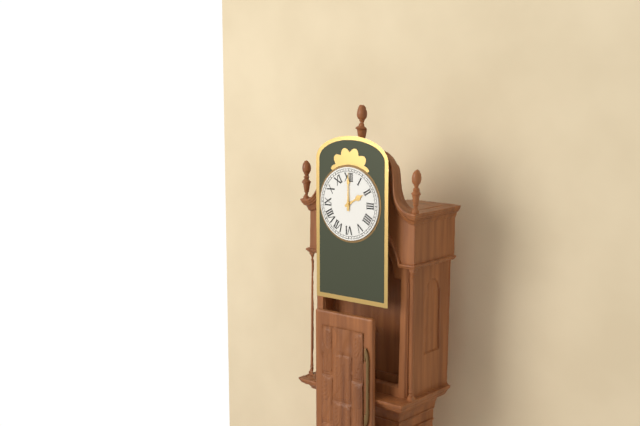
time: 2:00
